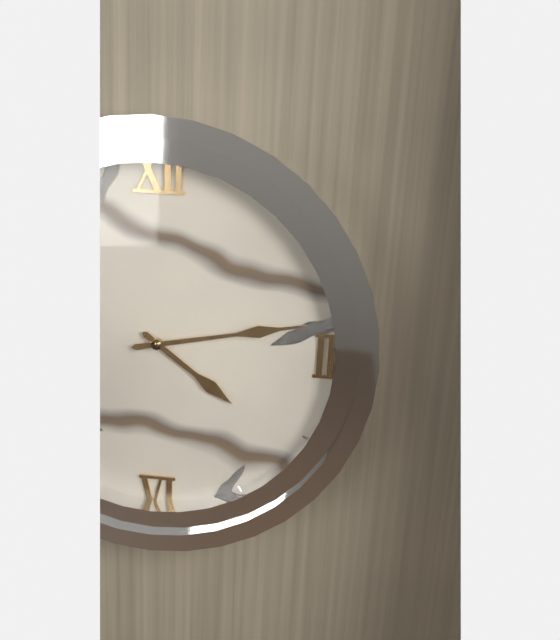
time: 4:13
